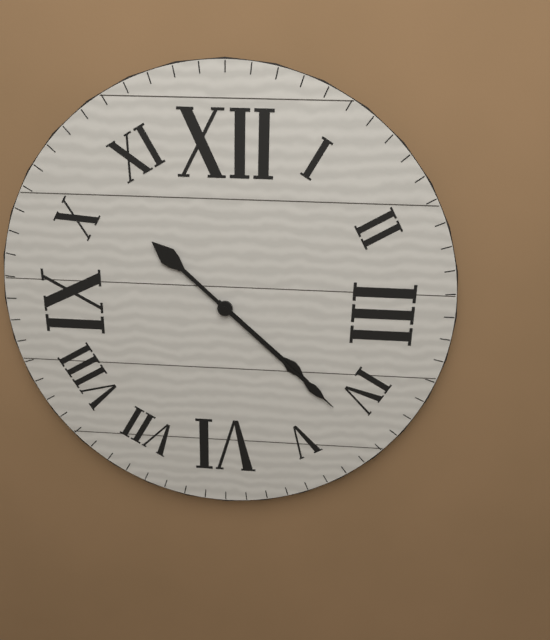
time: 4:22
